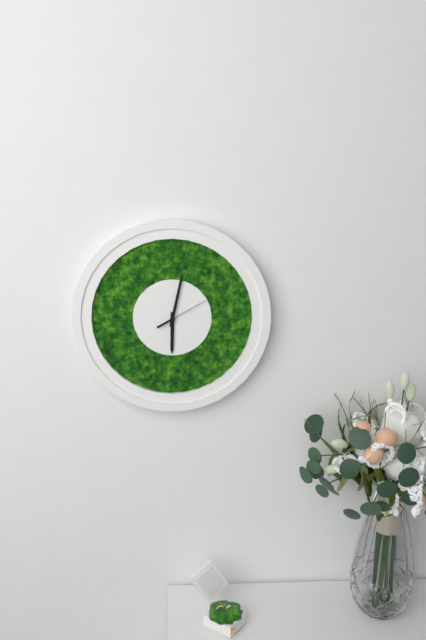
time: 6:02
